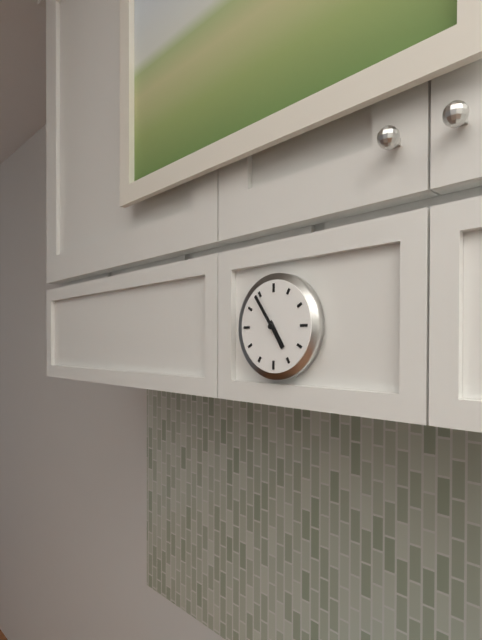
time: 4:54
